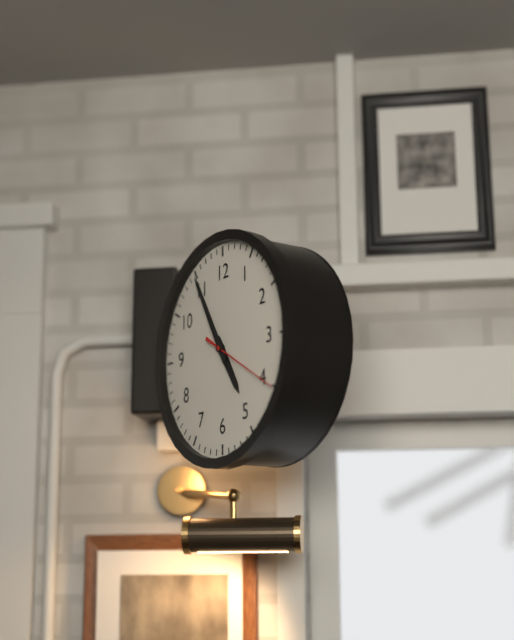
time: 4:55:20
